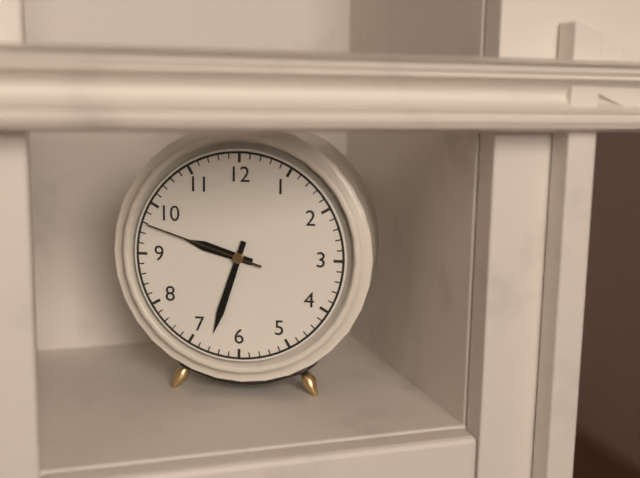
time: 9:33:48
